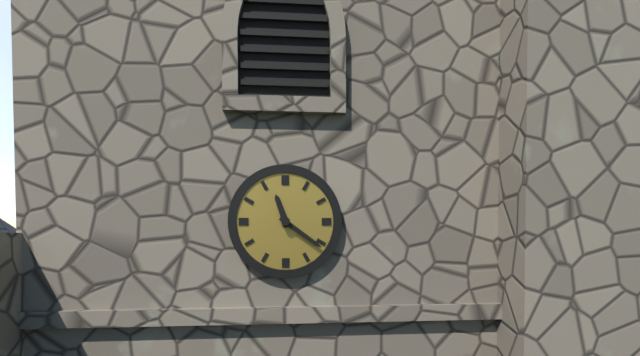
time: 11:21
